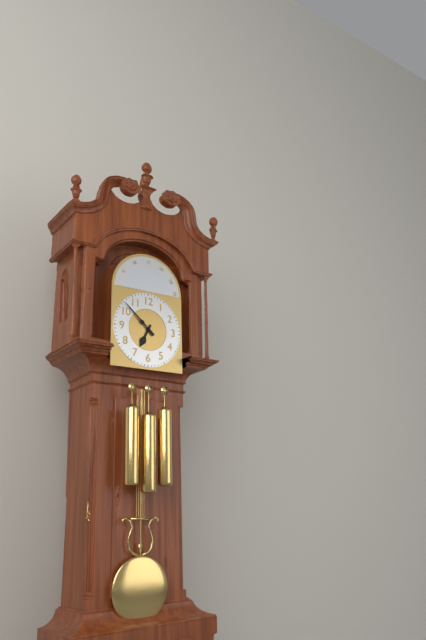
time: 6:52
